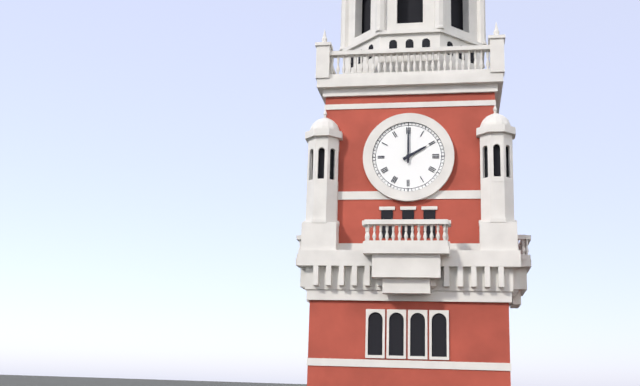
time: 2:00
